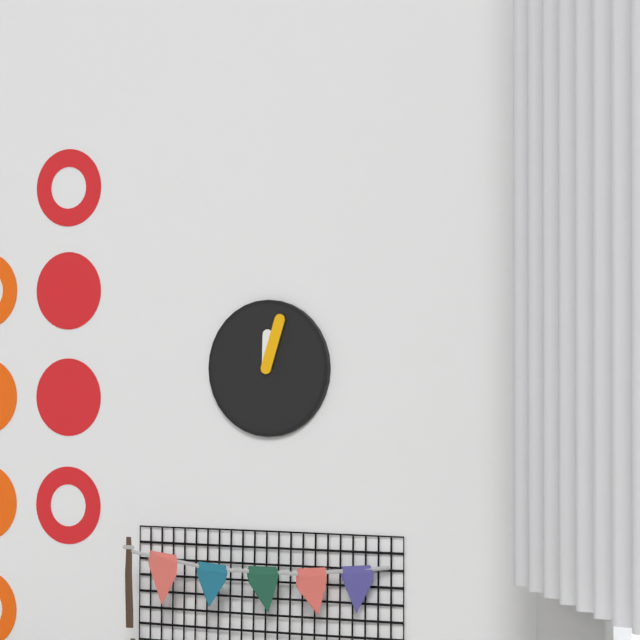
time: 12:03
